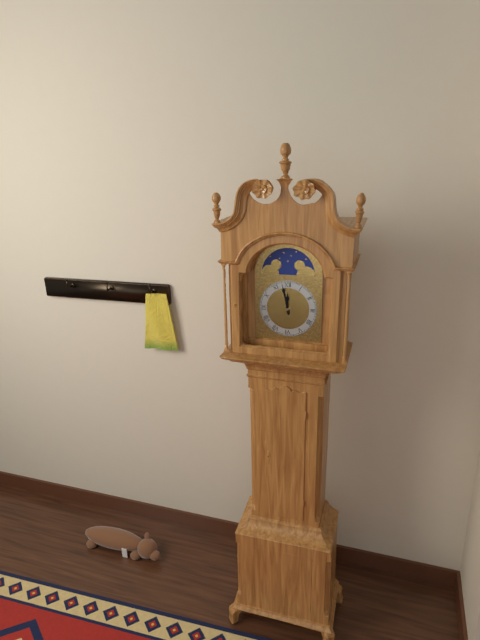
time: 11:58
